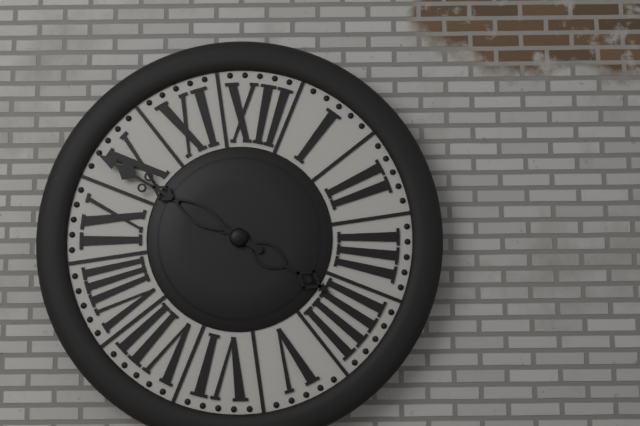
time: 3:49
